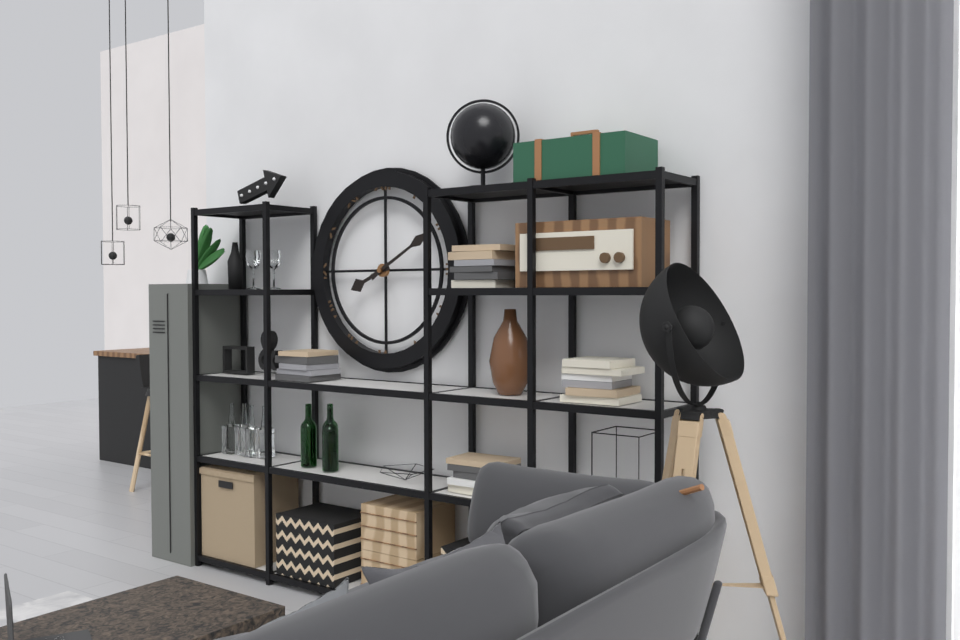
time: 8:10
